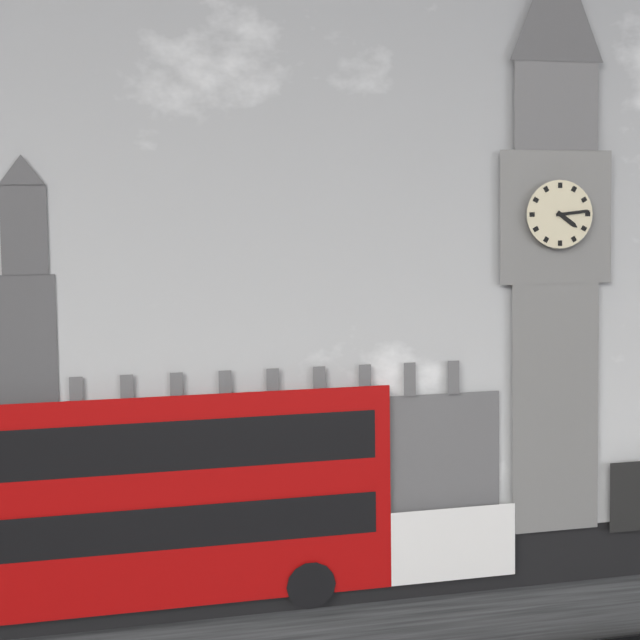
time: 4:14
